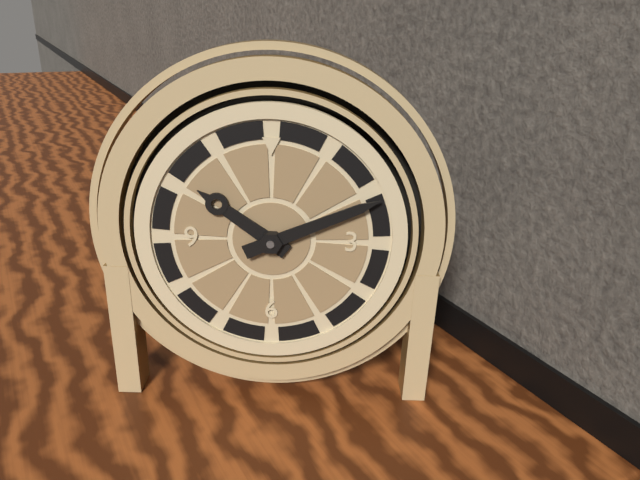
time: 10:11
